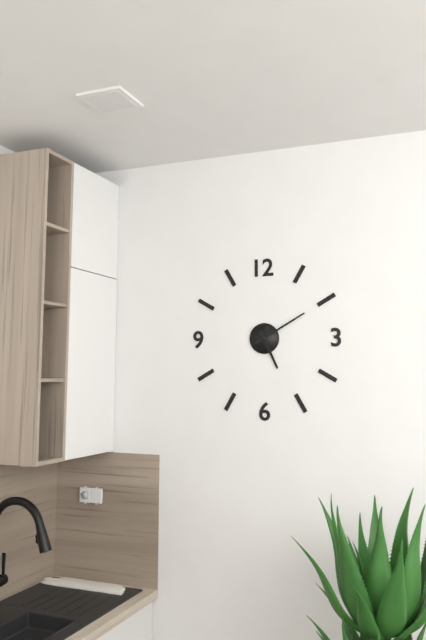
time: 5:10
